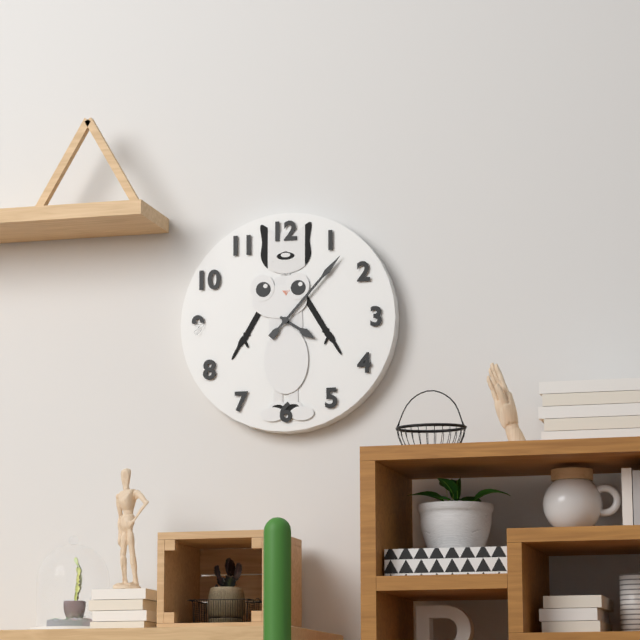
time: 4:07
